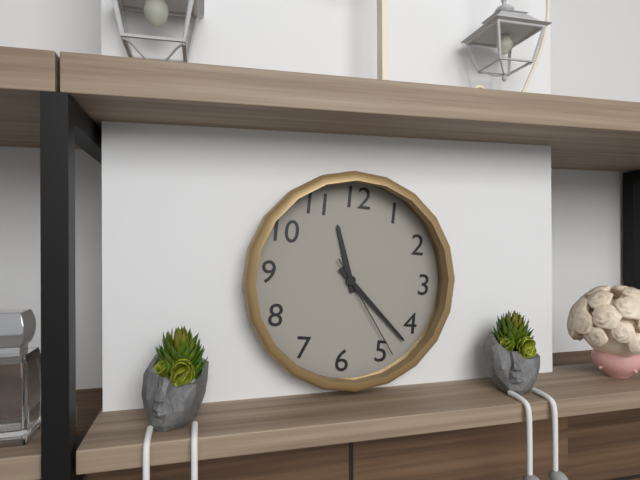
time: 11:22:24
